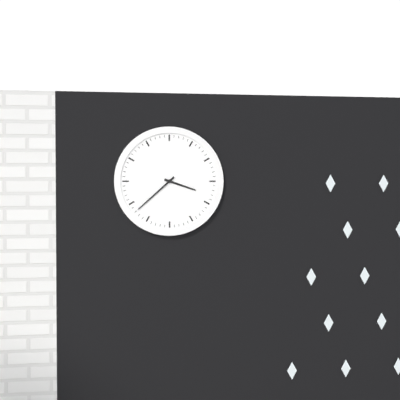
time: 3:38
